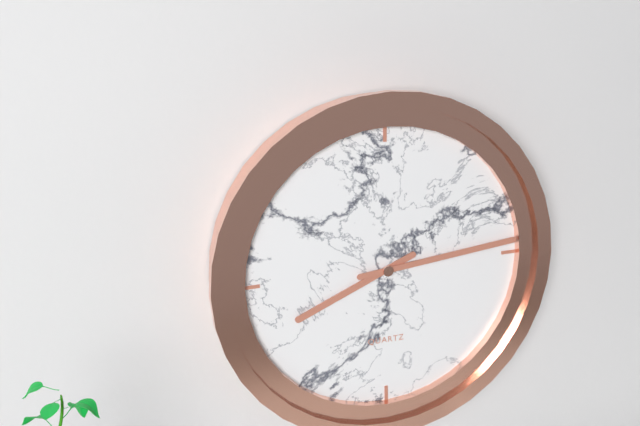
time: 8:14
